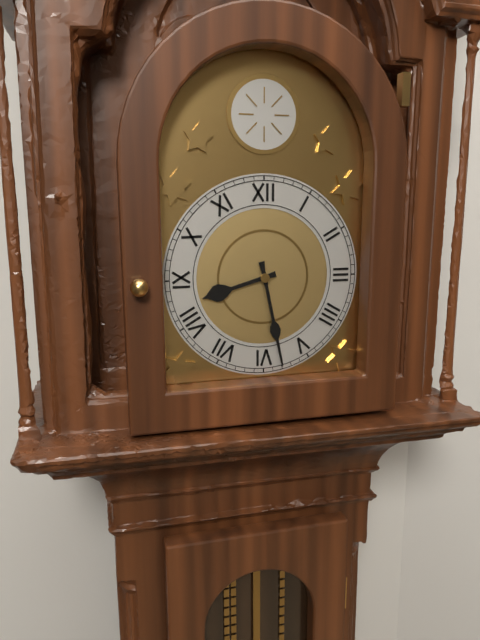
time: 8:28
